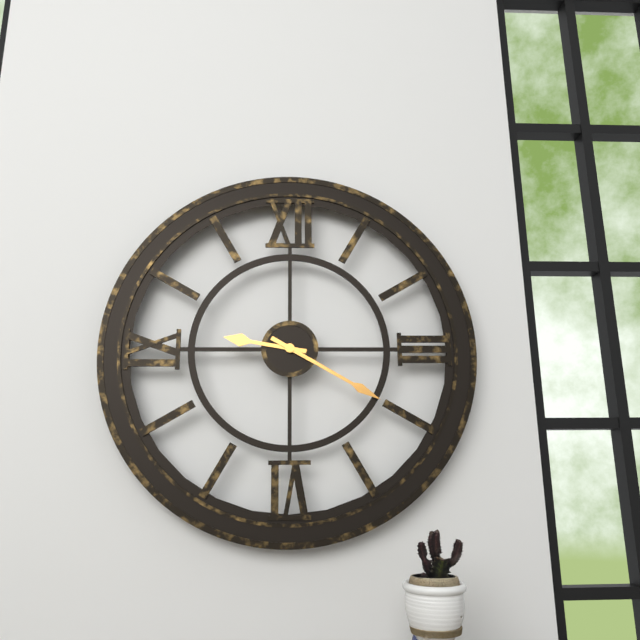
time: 9:20
